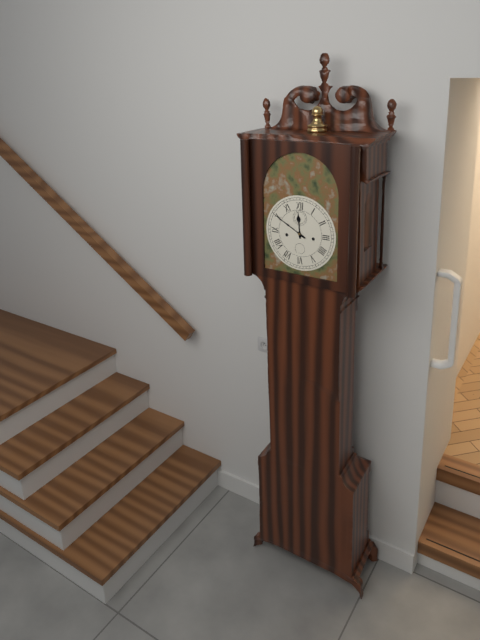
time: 11:50
